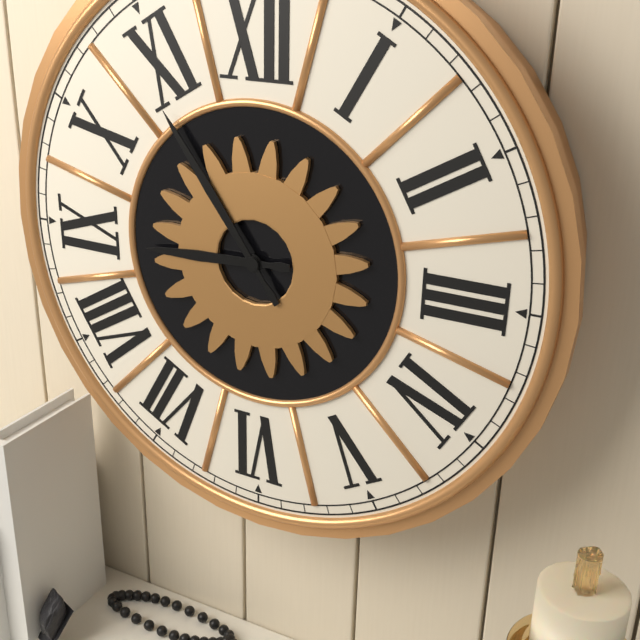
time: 8:54
